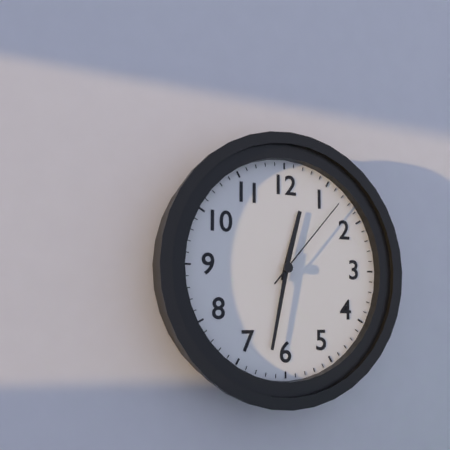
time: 12:32:07
